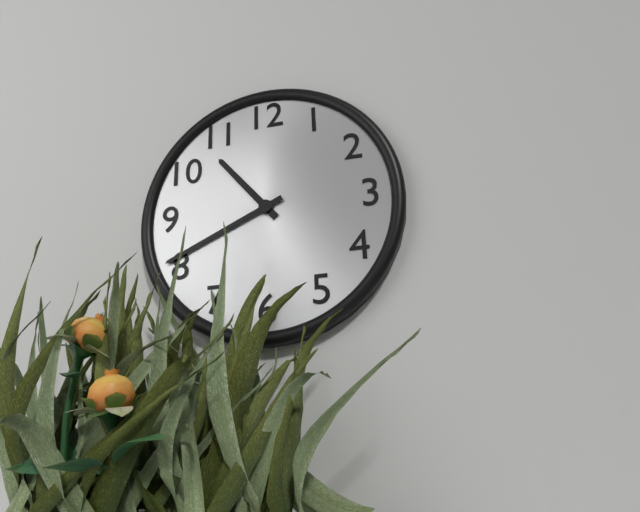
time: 10:41
